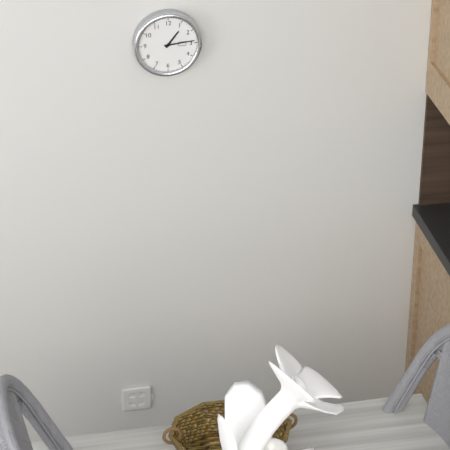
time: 1:14
